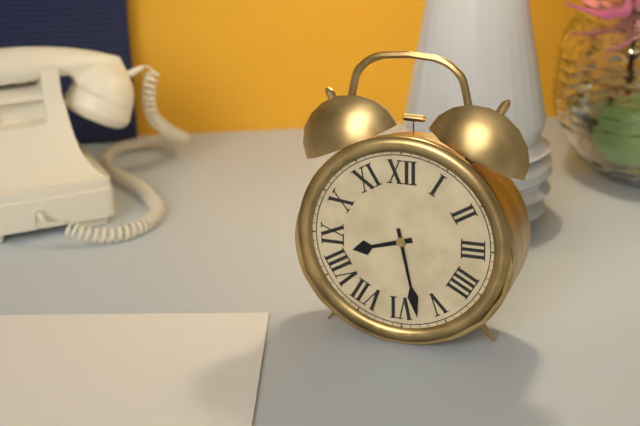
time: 8:28
